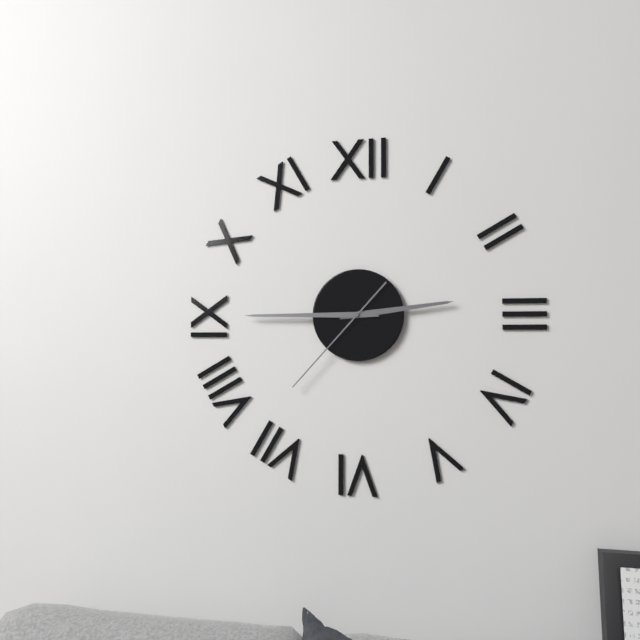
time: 2:45:37
